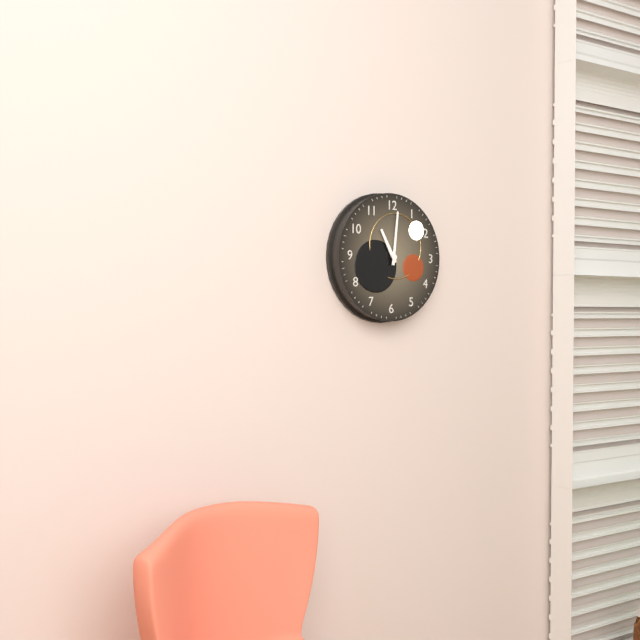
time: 11:01
